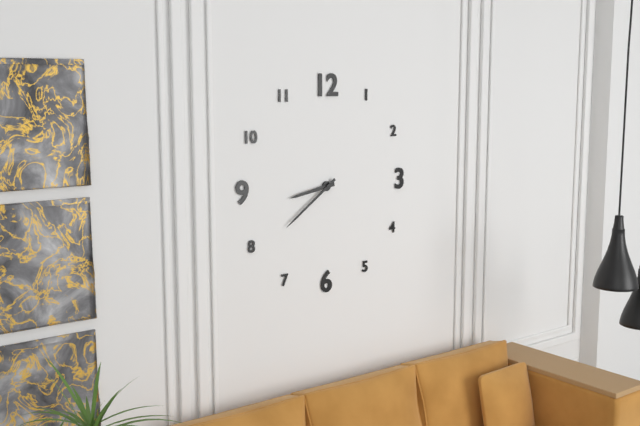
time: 8:39
